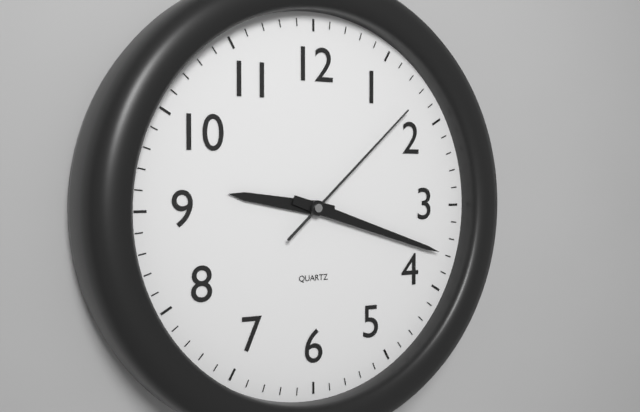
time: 9:18:08
